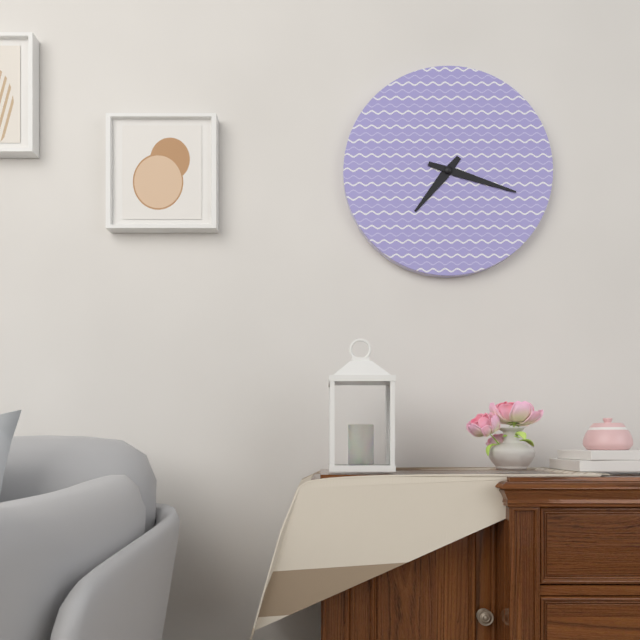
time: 7:18
